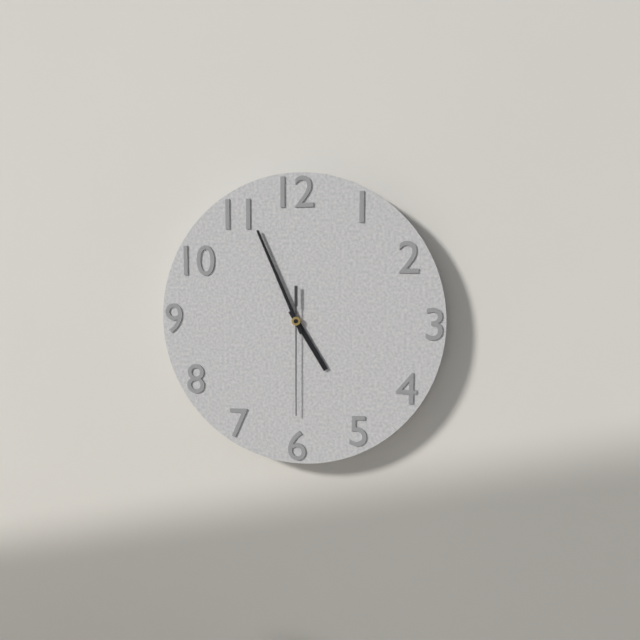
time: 4:56:30
